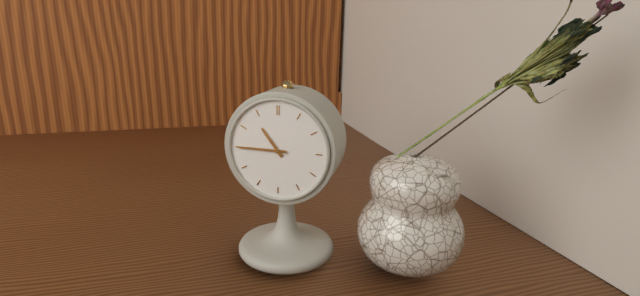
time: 10:45
